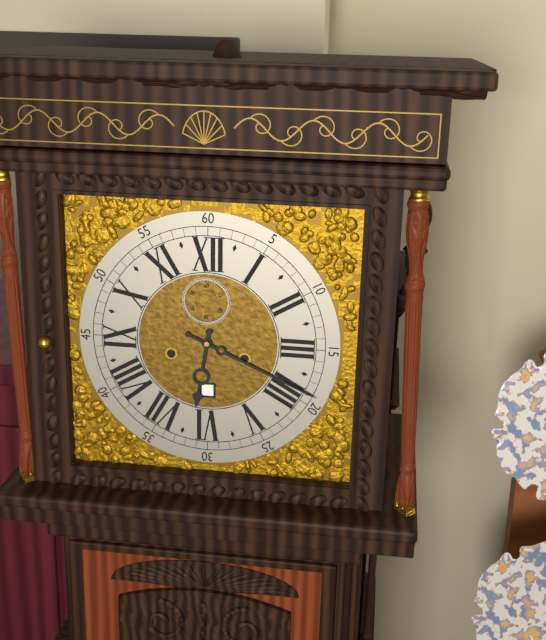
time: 6:19
